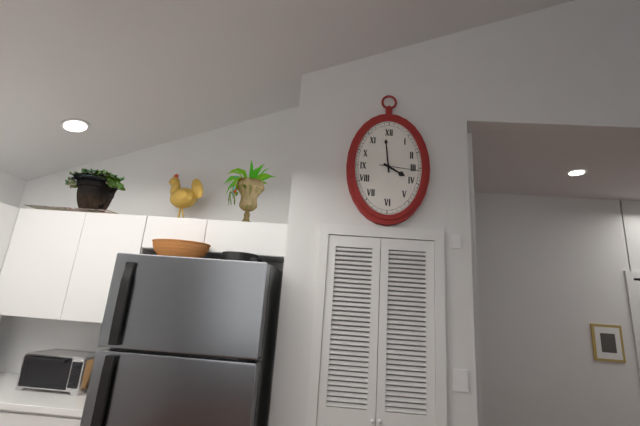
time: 3:59
